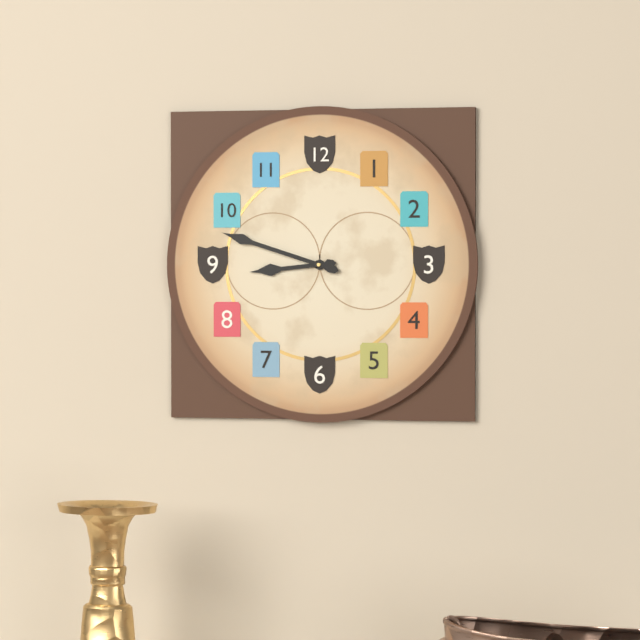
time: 8:48
